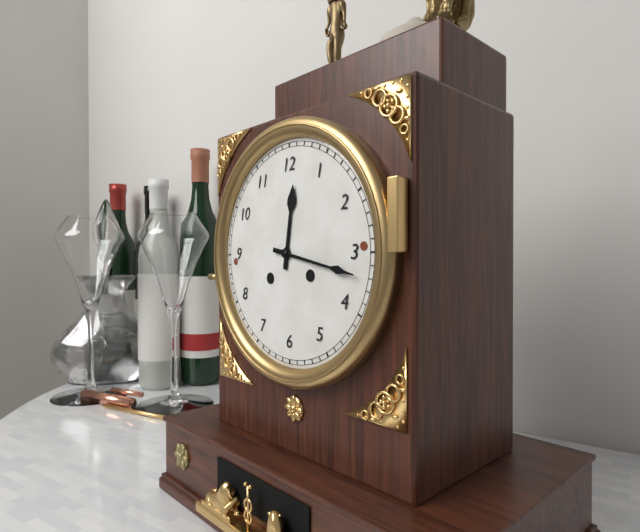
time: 12:17
